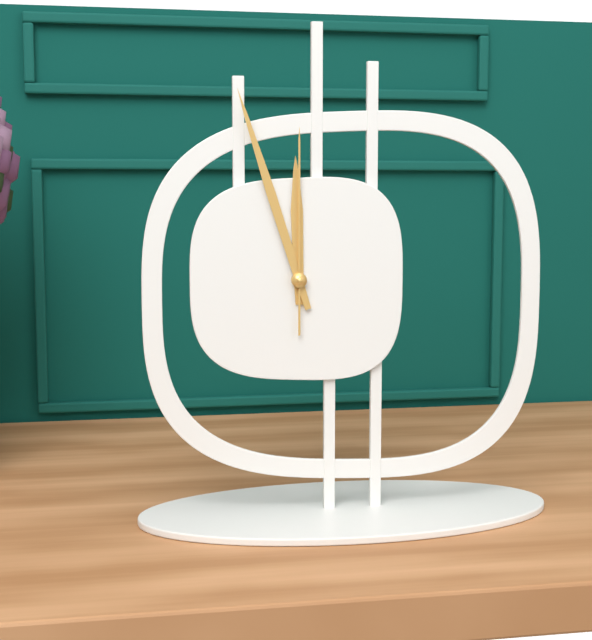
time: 11:57:00
